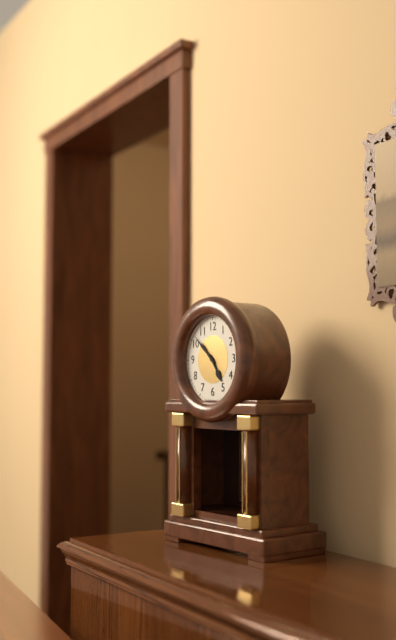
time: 4:52
